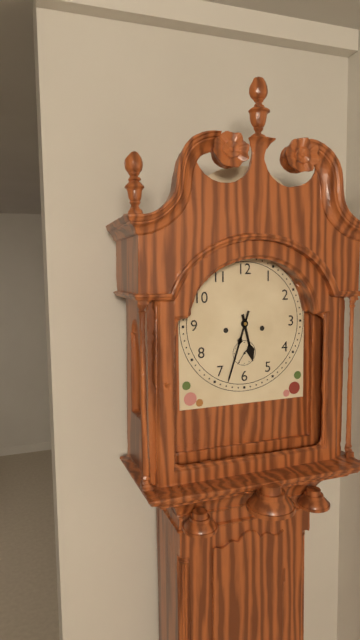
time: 5:33
